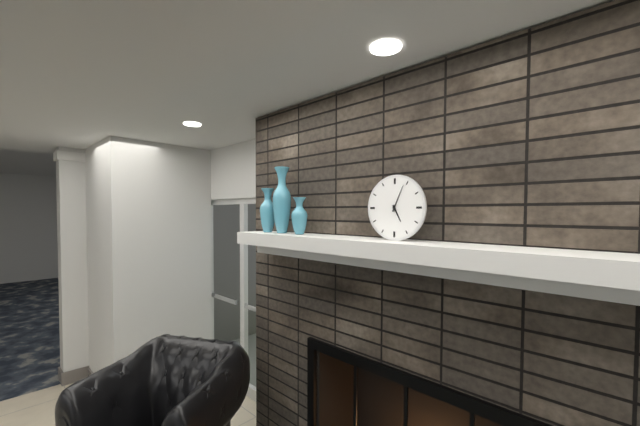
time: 5:04
